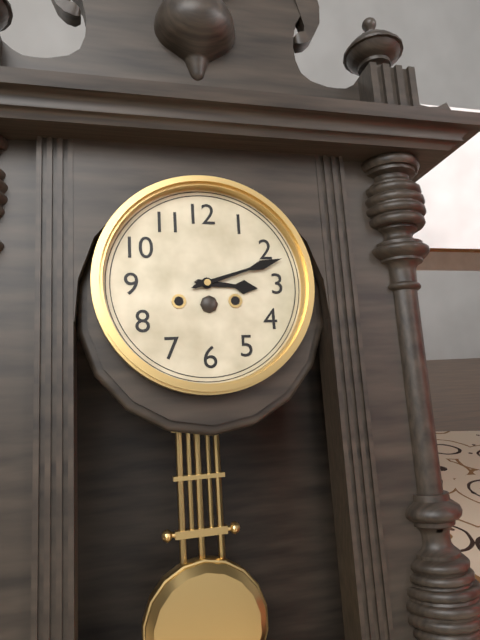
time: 3:12
